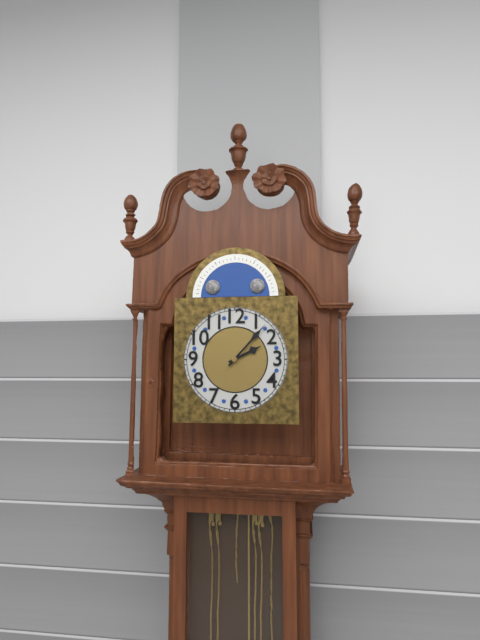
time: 2:07
